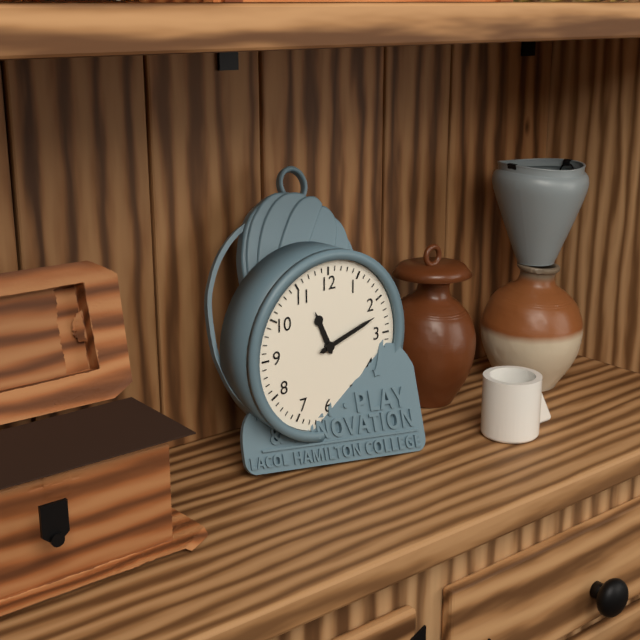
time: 11:12
